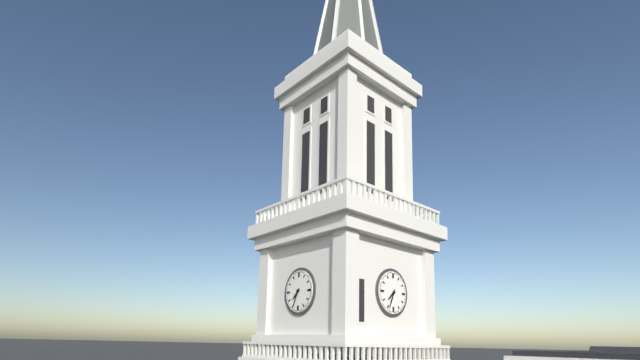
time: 7:34
